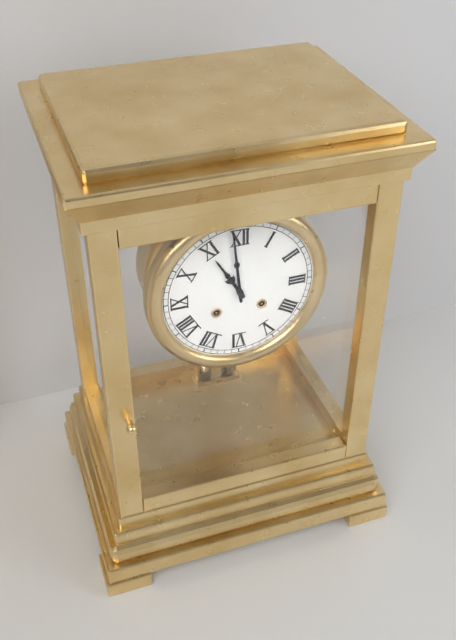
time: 10:59
